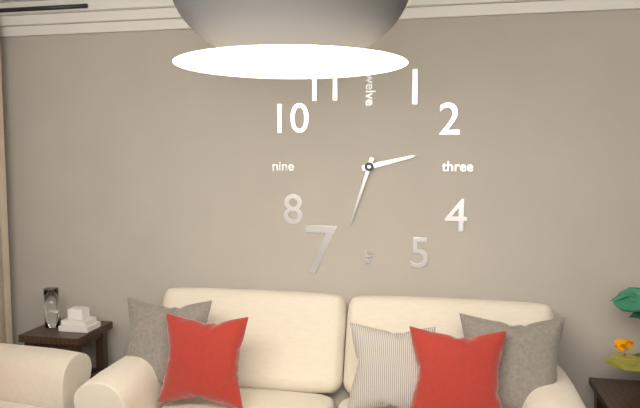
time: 2:33
